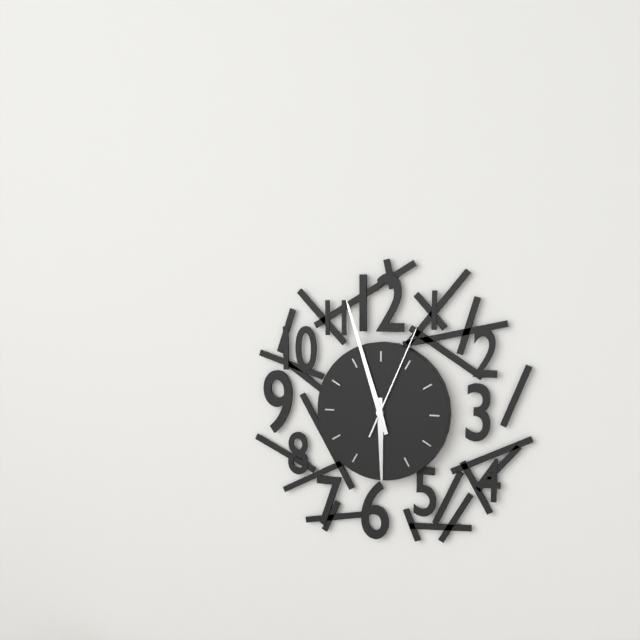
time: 5:57:04
